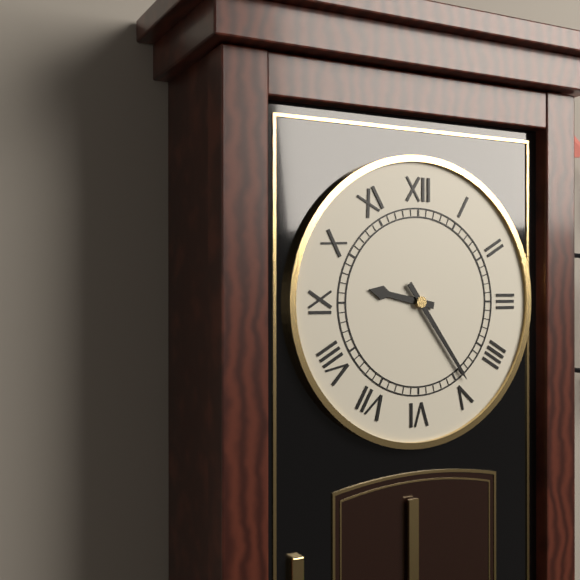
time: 9:24
